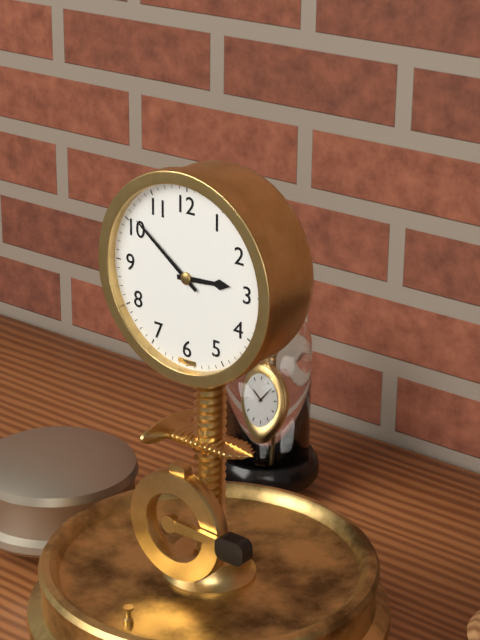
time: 2:51
